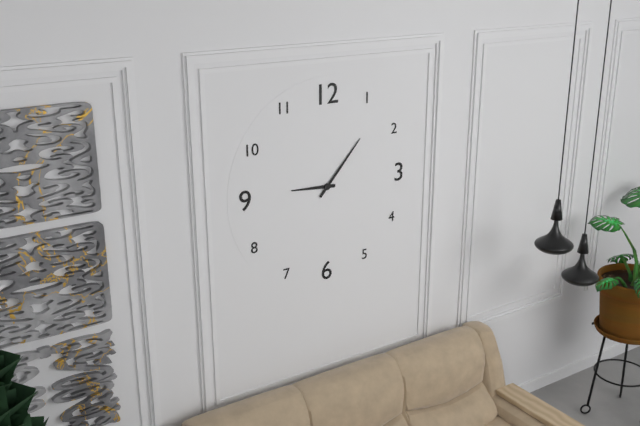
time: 9:07
